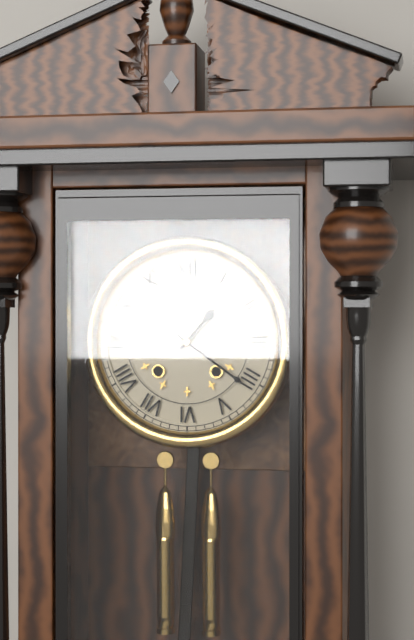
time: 1:21
